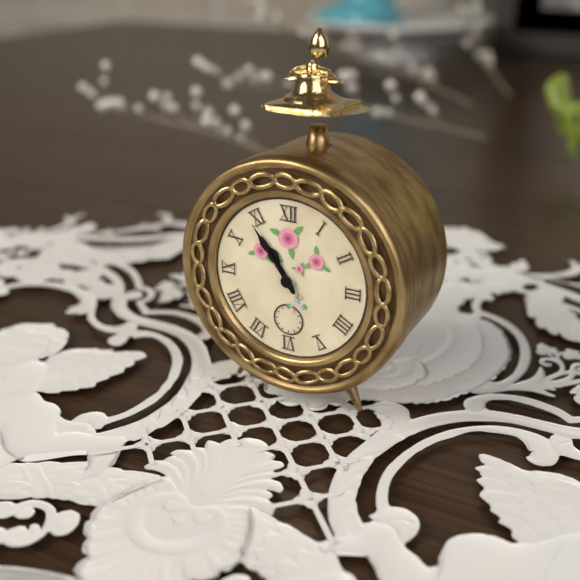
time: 10:54
